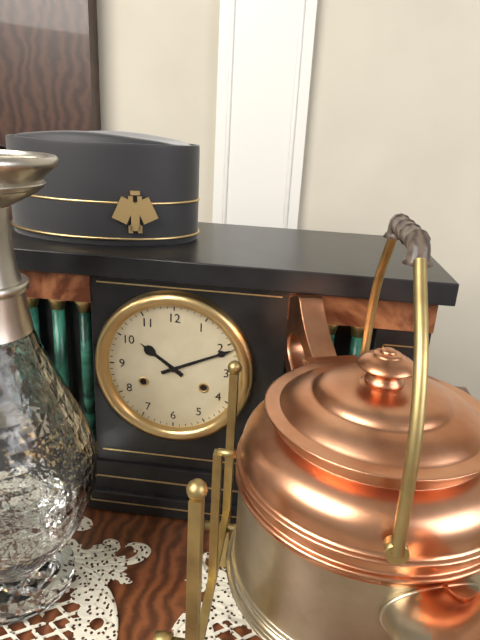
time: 10:11
